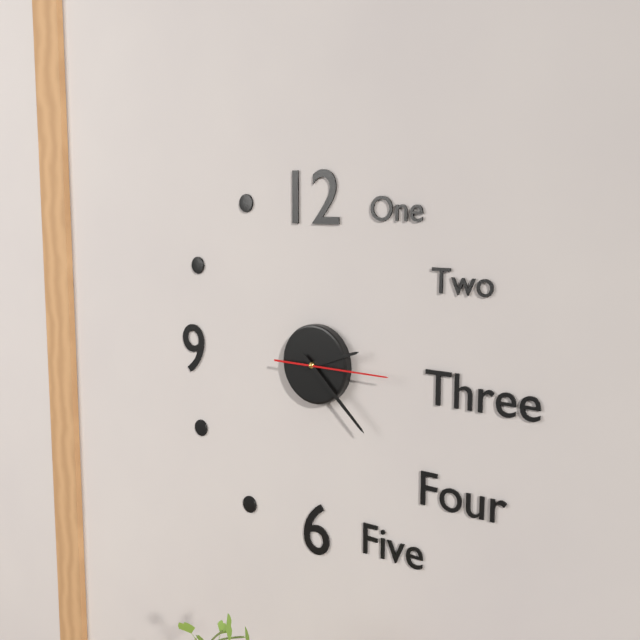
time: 2:22:15
